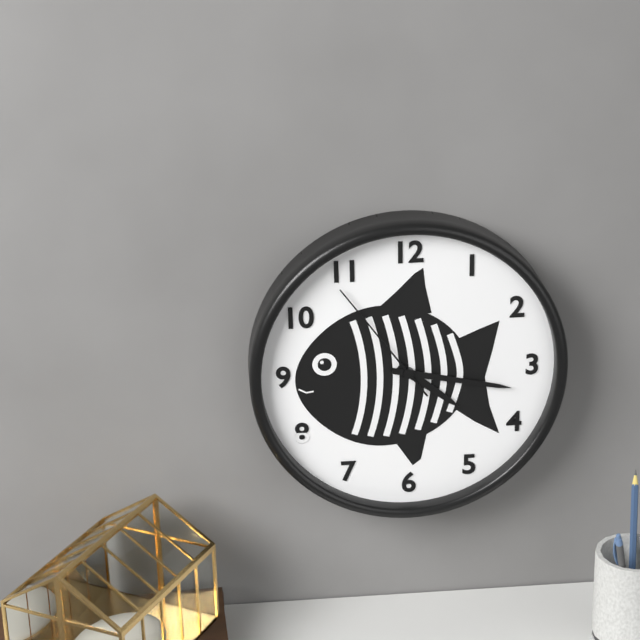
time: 4:17:54
